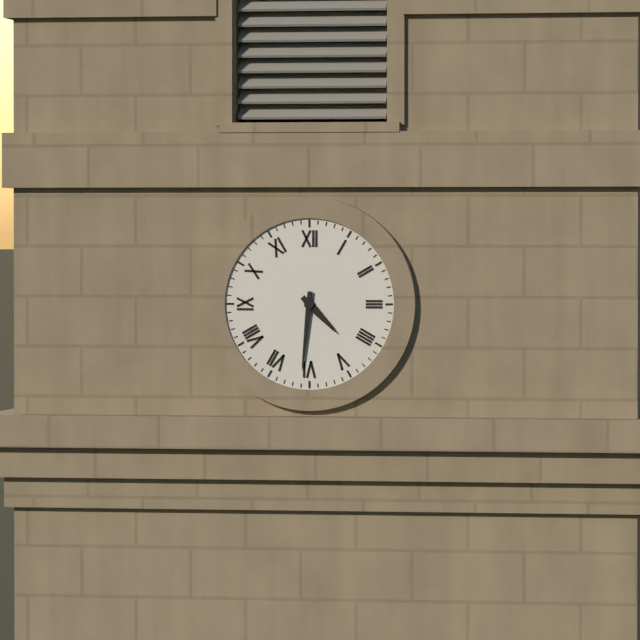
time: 4:31
